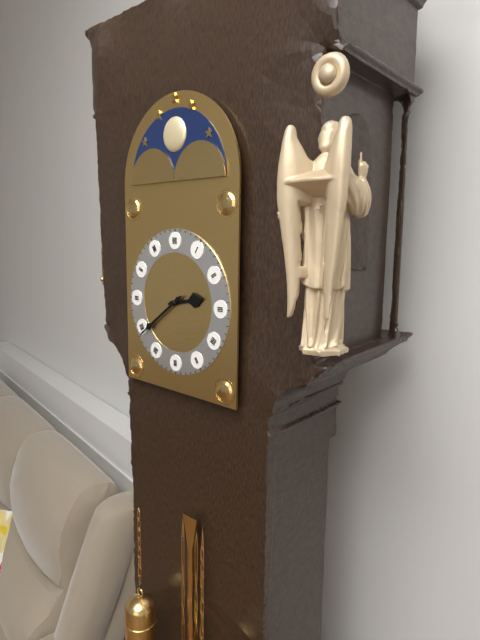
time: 2:39
